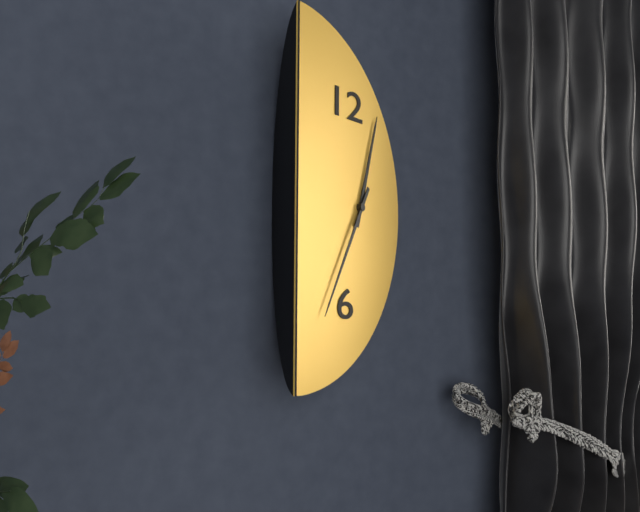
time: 12:35
